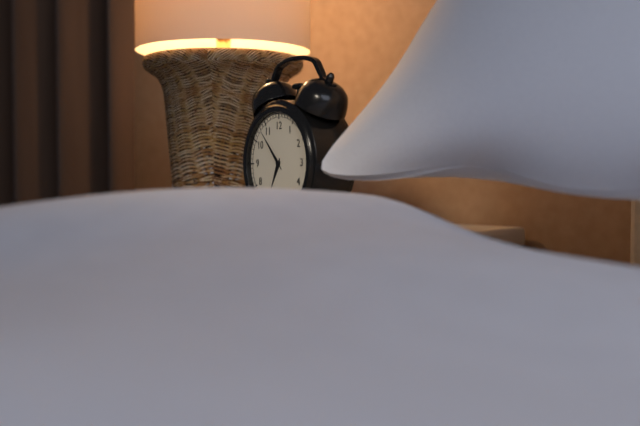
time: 6:53
